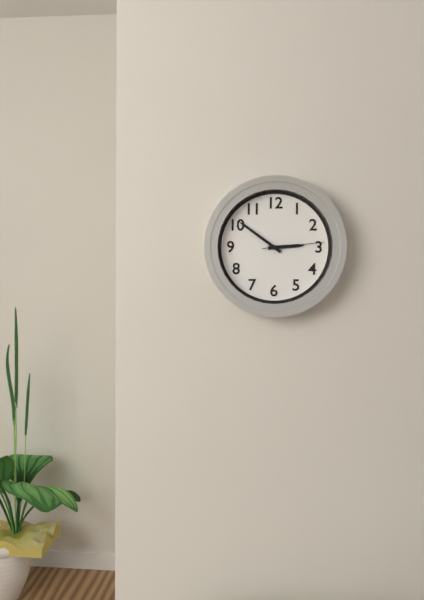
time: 2:51:14
